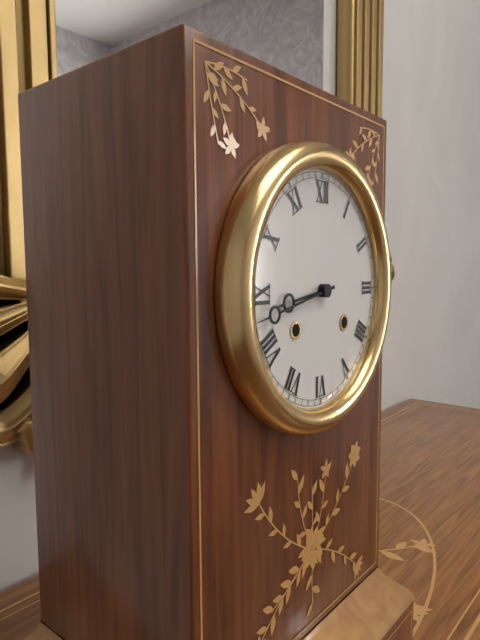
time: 8:43
